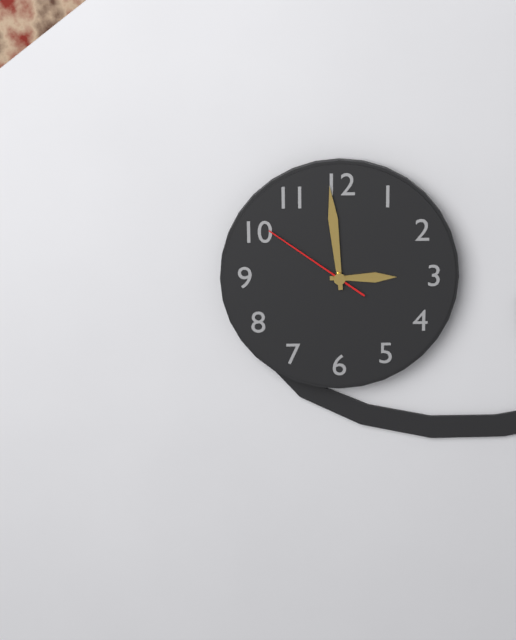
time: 2:59:51
